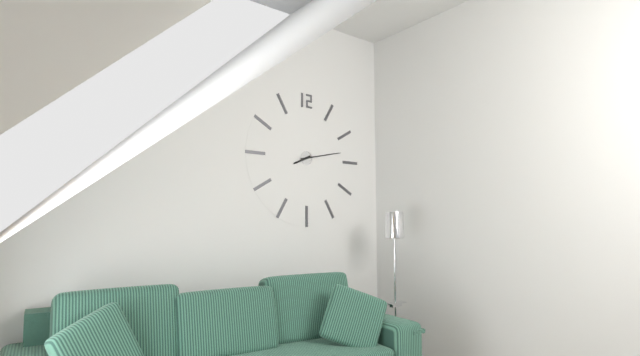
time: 8:13
